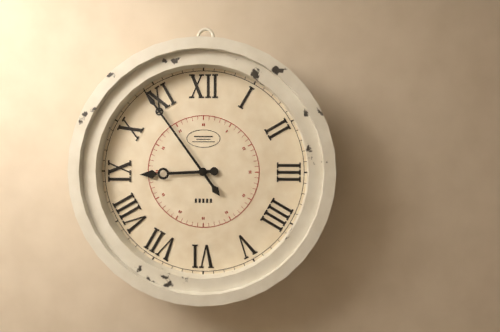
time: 8:54
